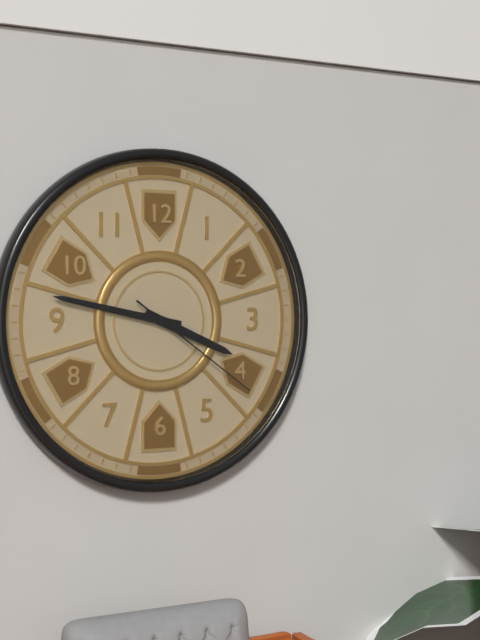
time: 3:47:21
